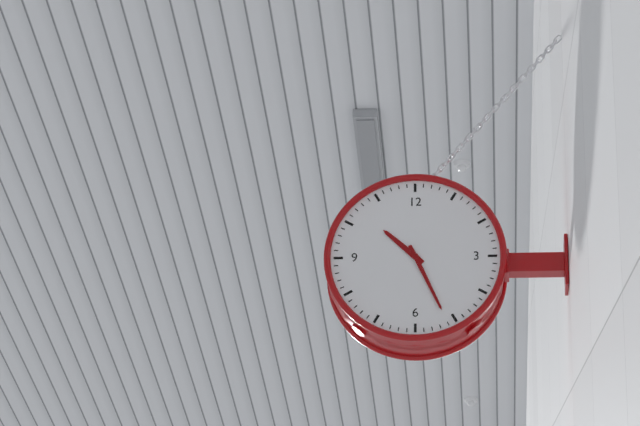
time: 10:26
